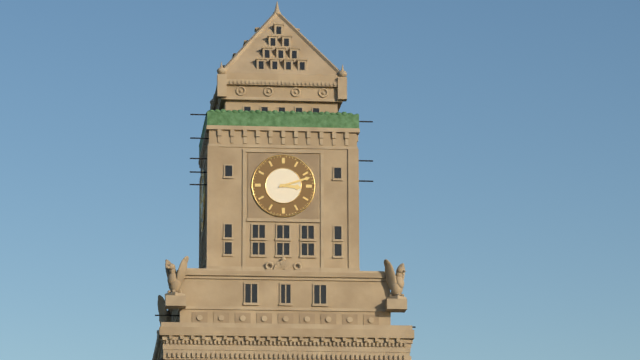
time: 3:12
